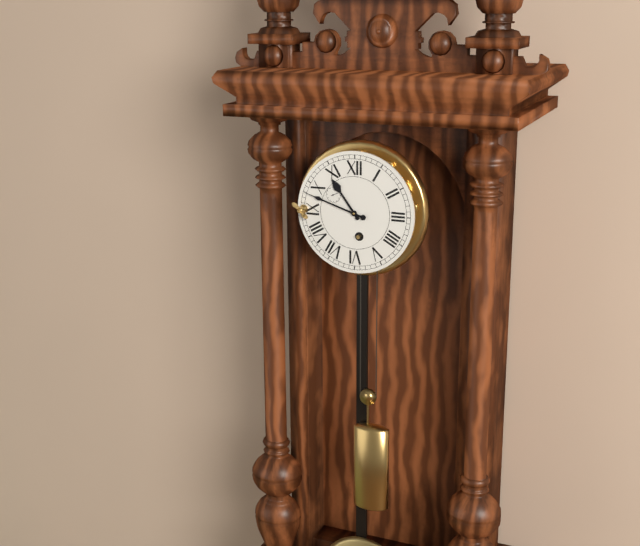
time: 10:48
